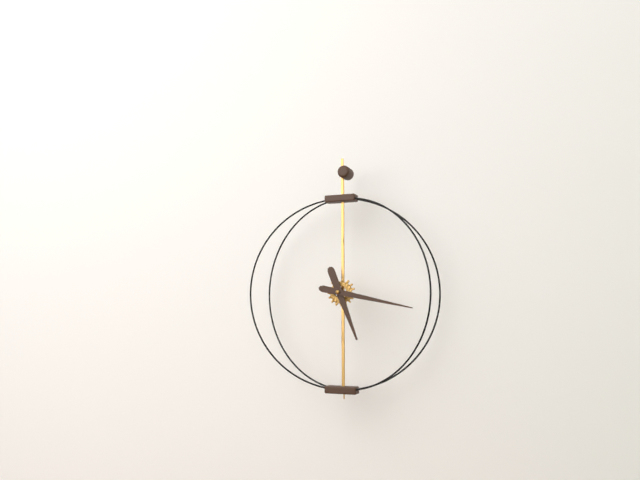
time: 5:17
